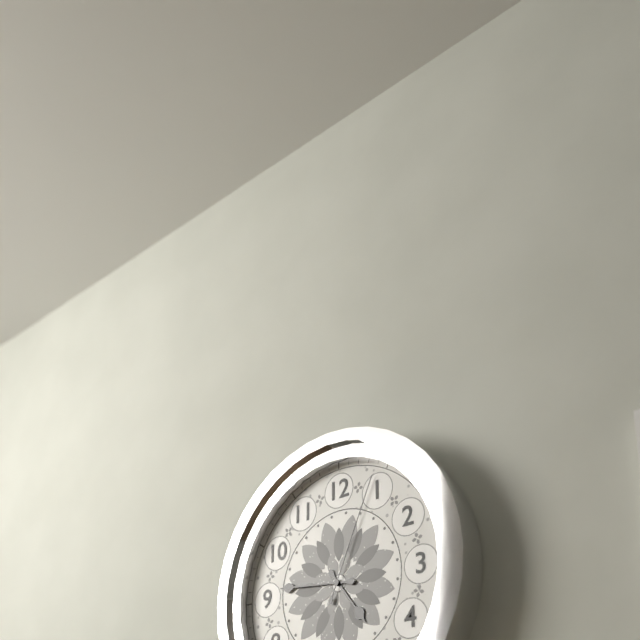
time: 4:46:04
